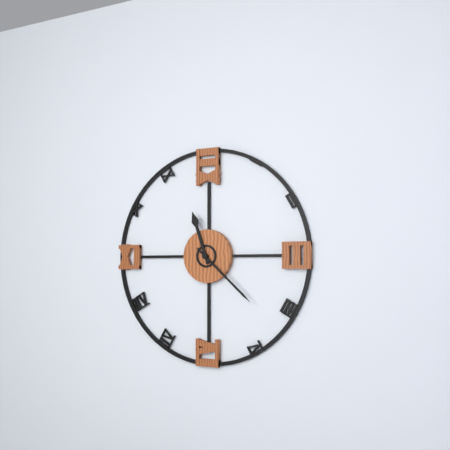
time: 11:22
